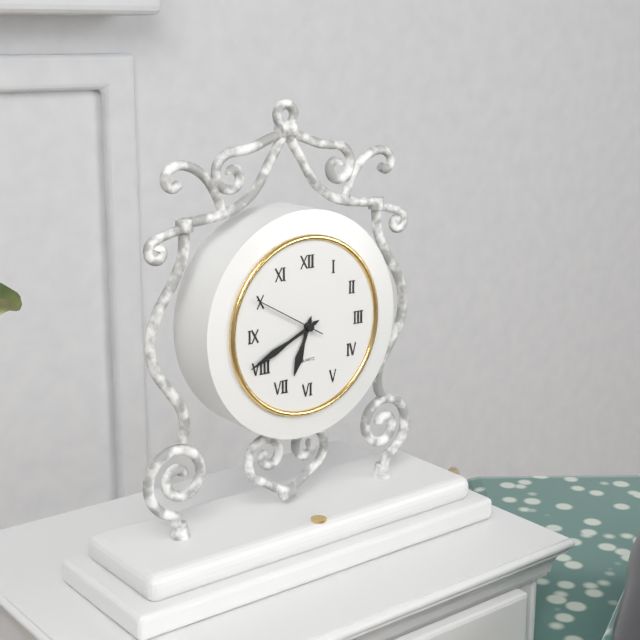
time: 6:41:50
